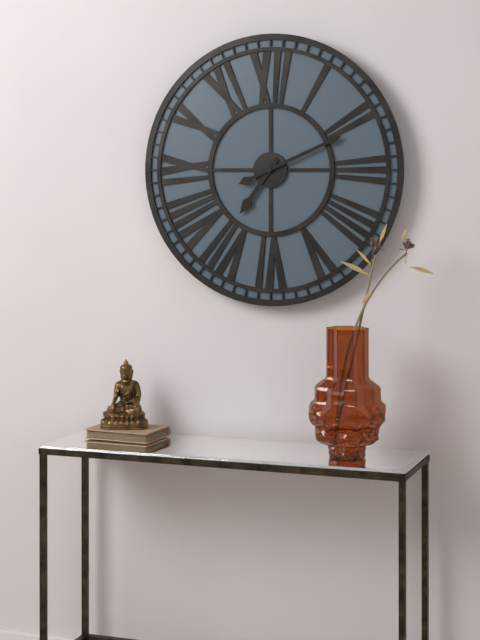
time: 7:11
